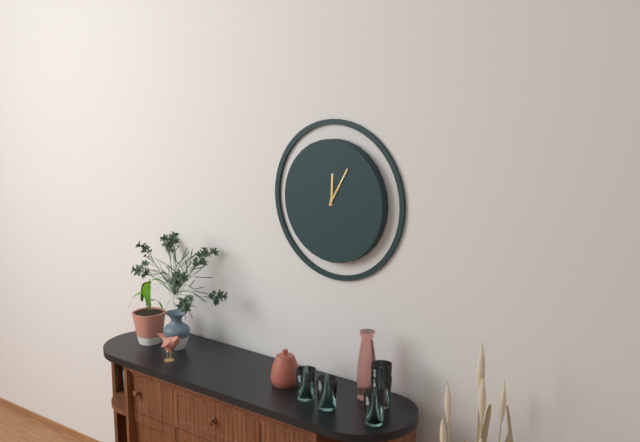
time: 12:05
